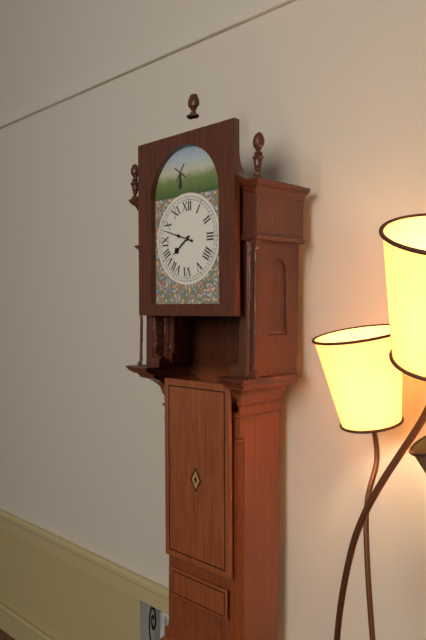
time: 7:48
